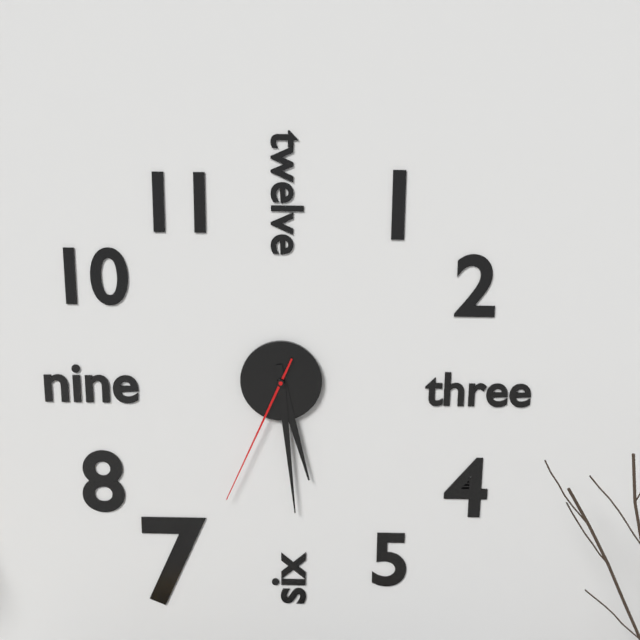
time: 5:29:34
